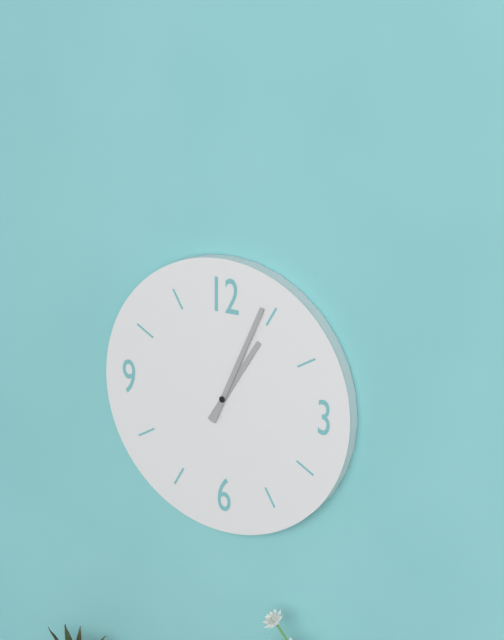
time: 1:04
